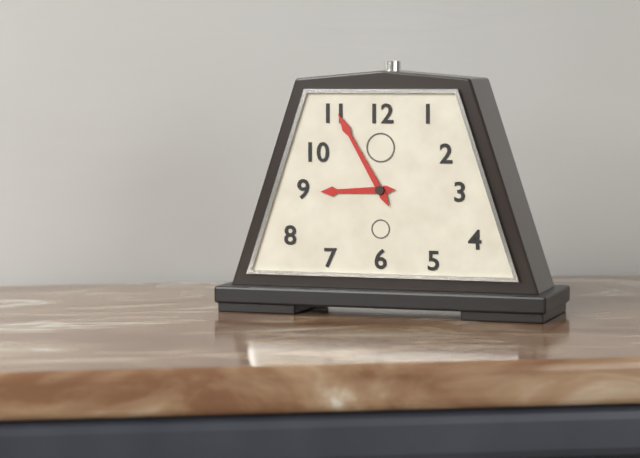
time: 8:55
